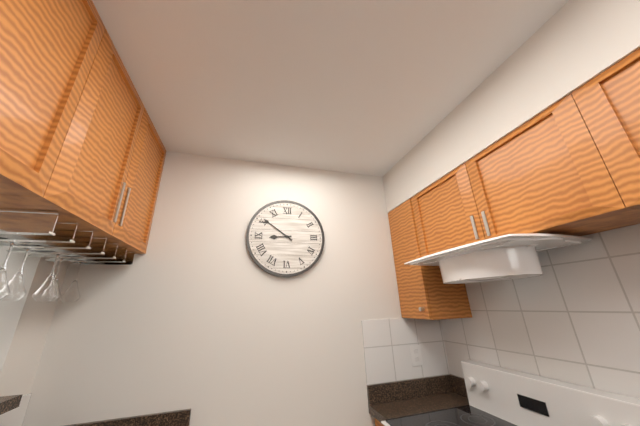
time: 8:51
